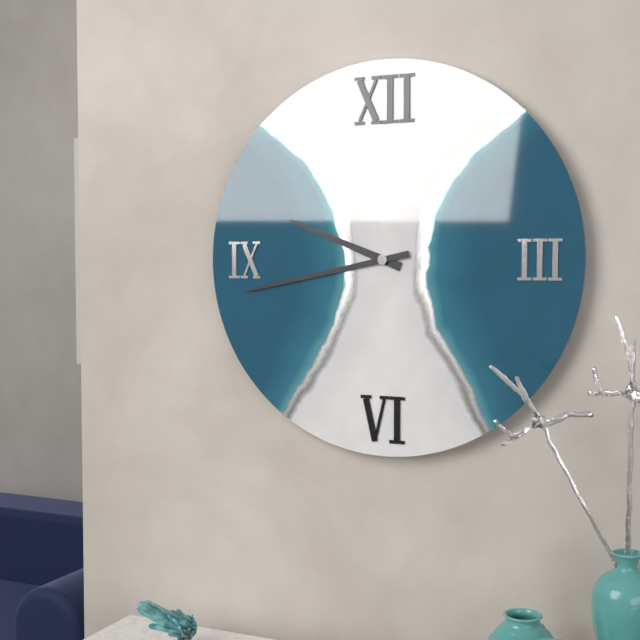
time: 9:43
